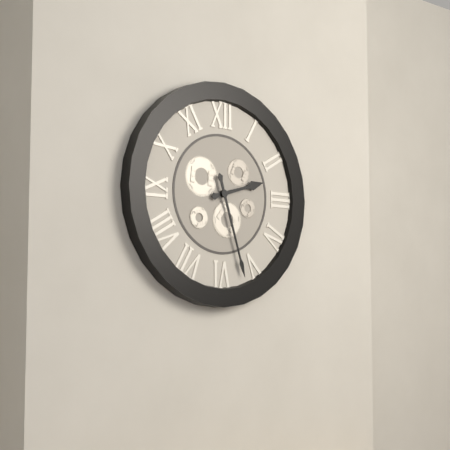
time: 2:27
